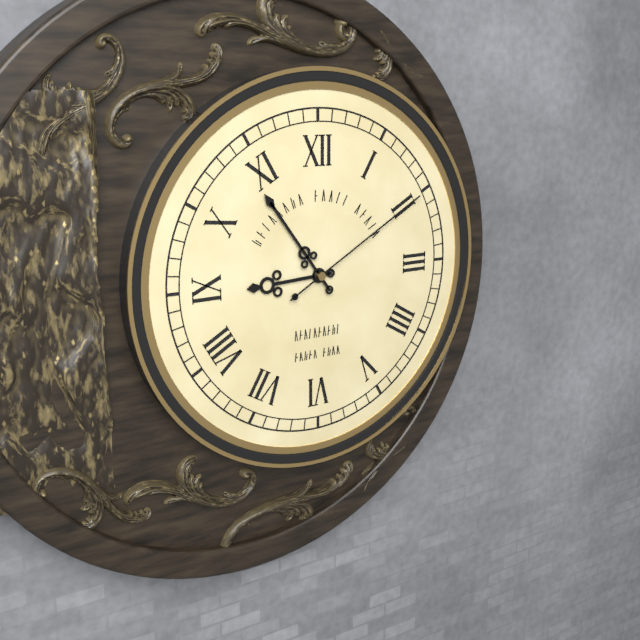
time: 8:54:10
